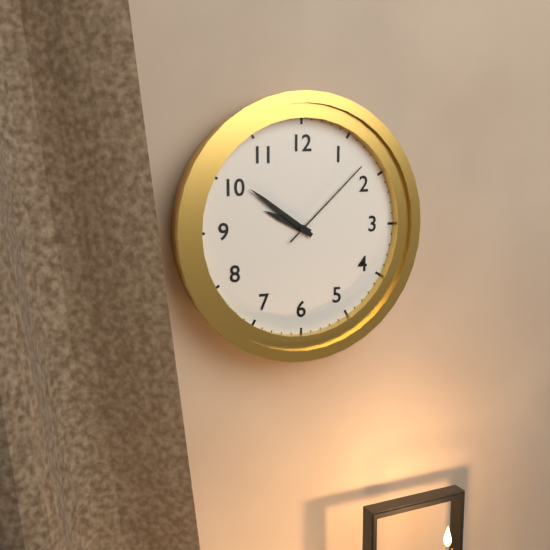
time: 9:51:08
